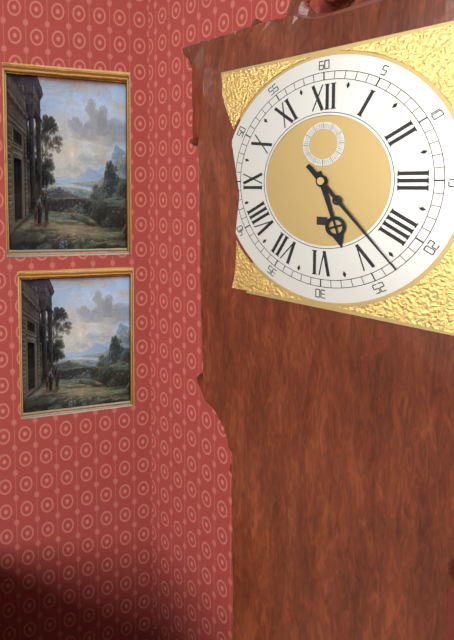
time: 5:23
